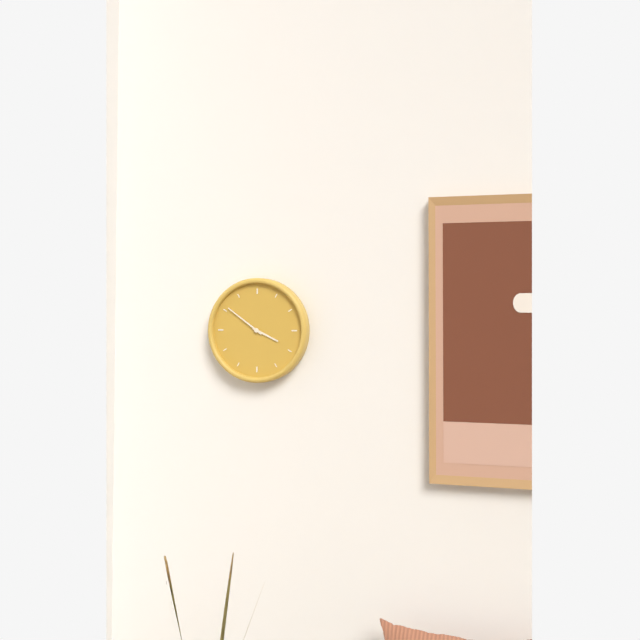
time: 3:51
